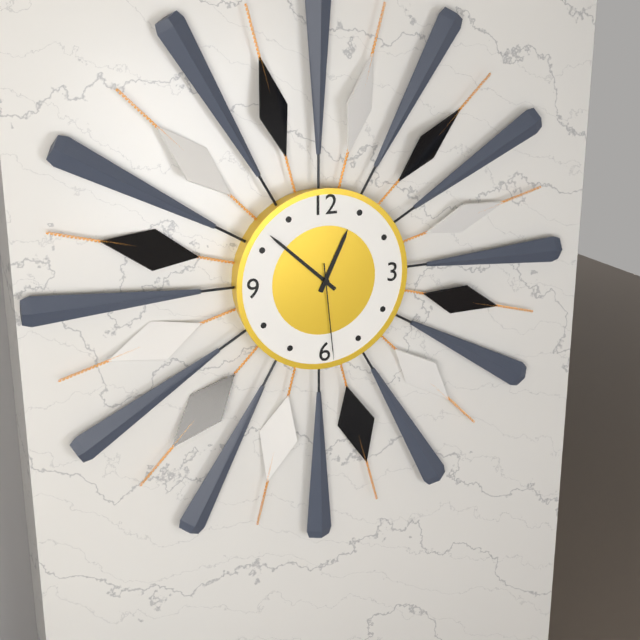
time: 12:52:29
